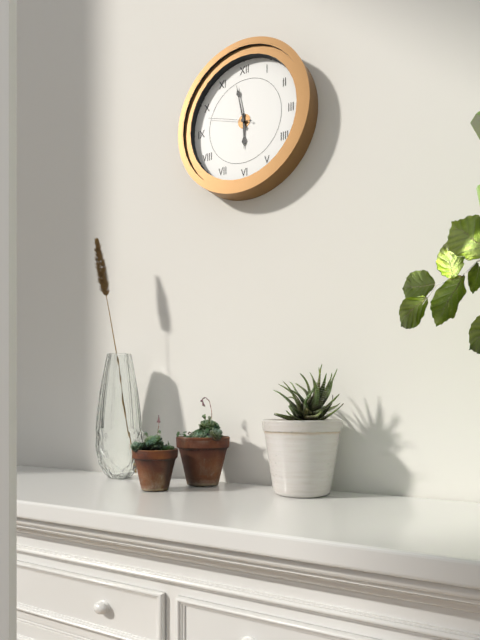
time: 5:58
